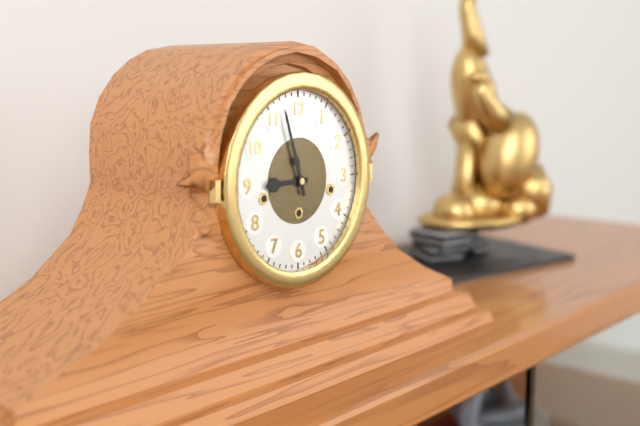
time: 8:57
